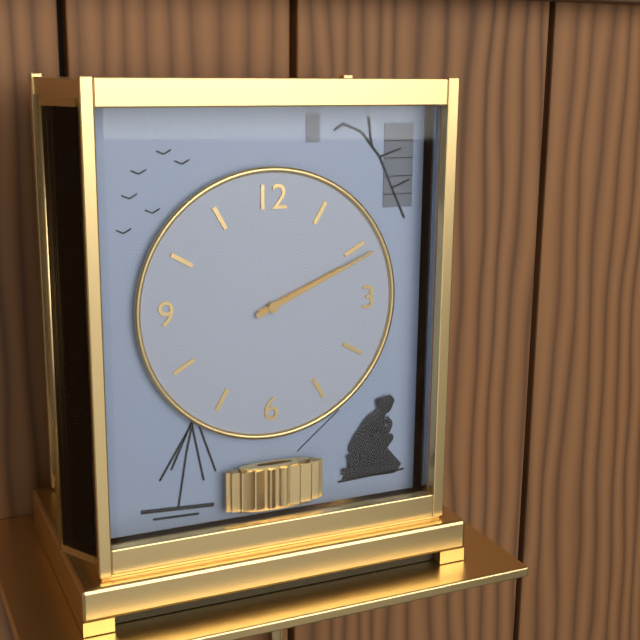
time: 2:11
